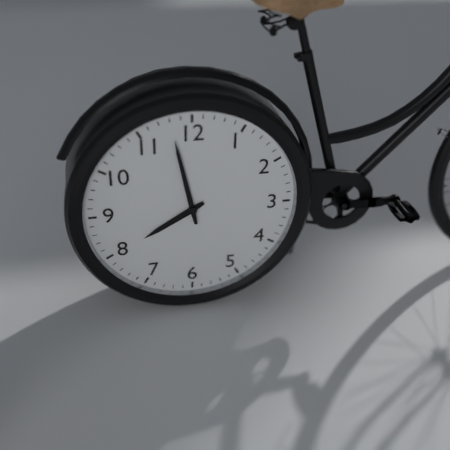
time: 7:58
